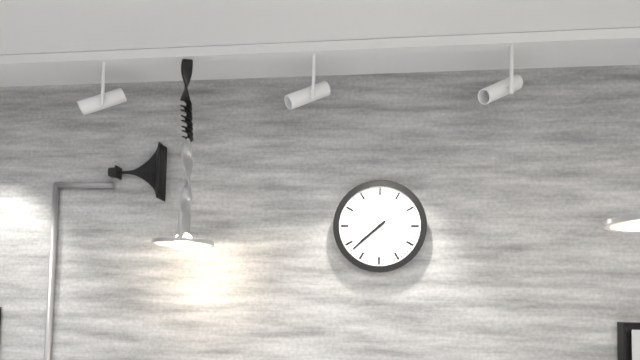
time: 7:38
